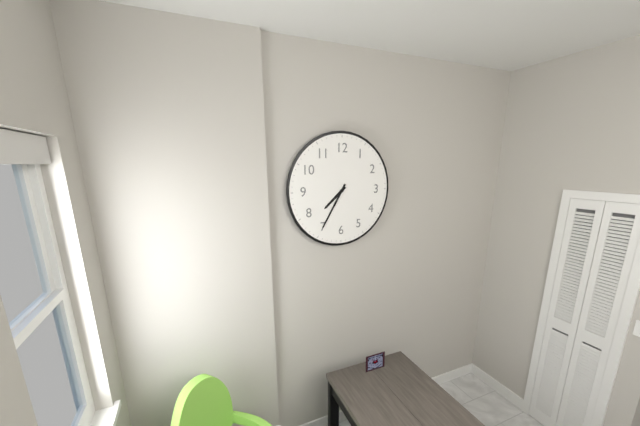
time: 7:35
